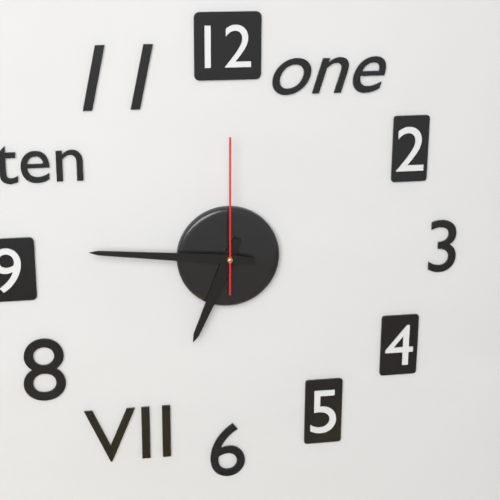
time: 6:46:00
